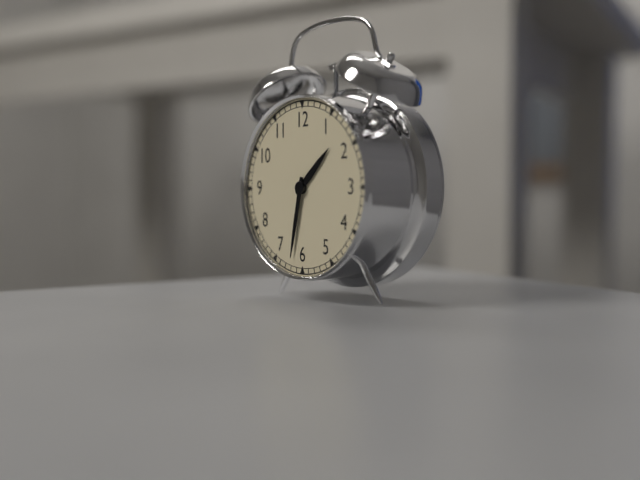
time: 1:32
